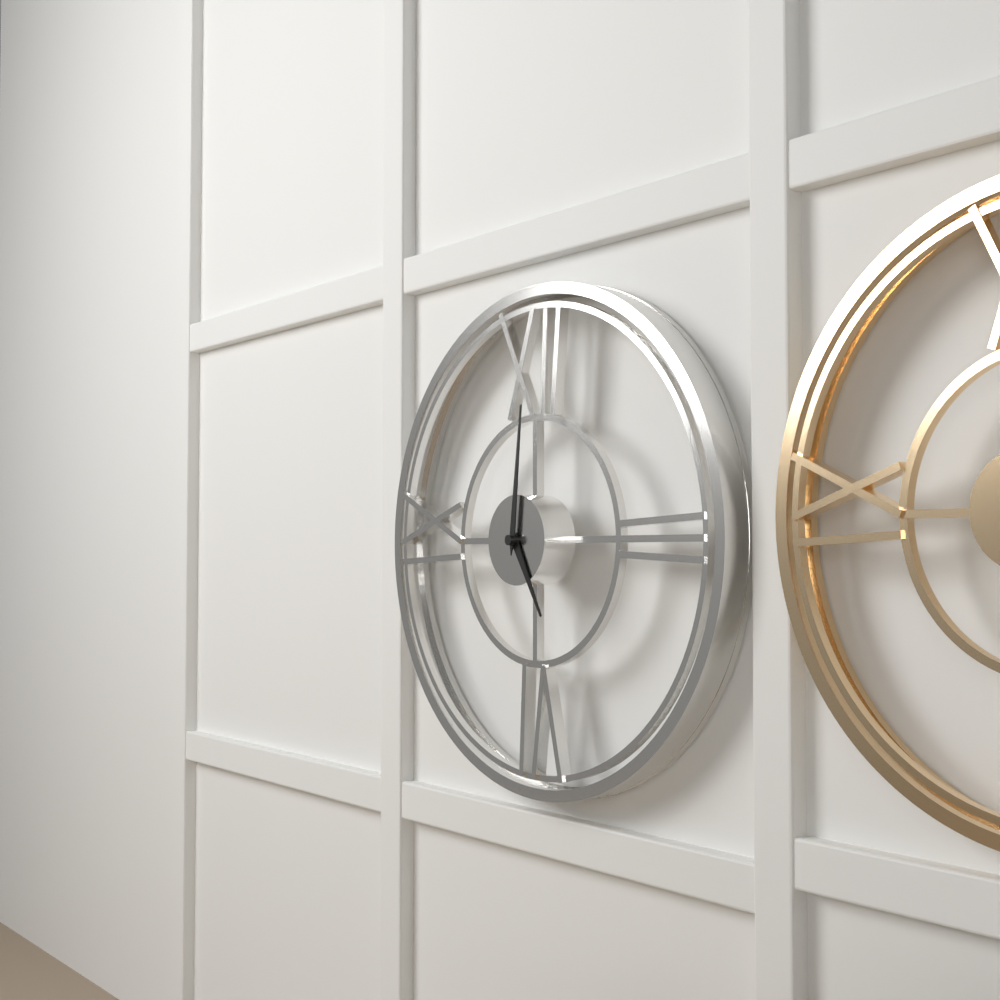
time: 5:01
